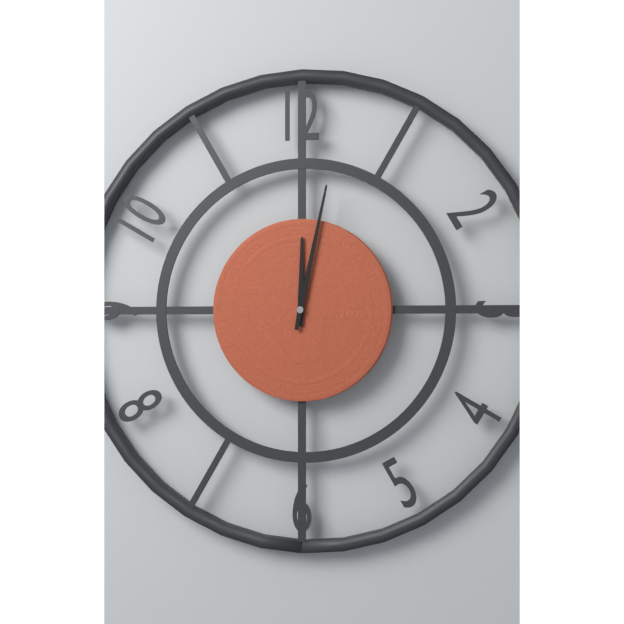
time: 12:02
